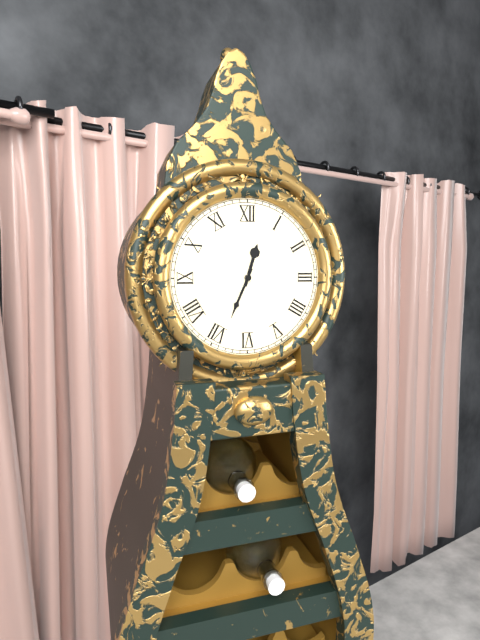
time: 12:34
